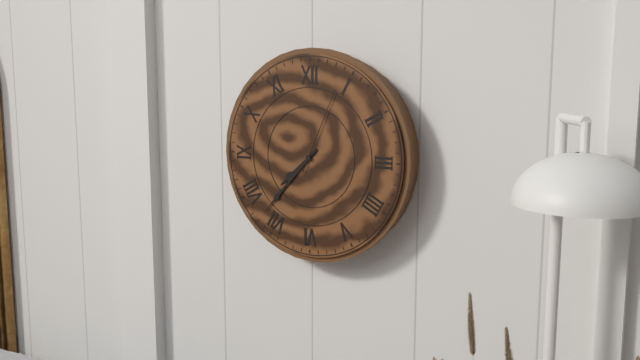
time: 7:37:04
